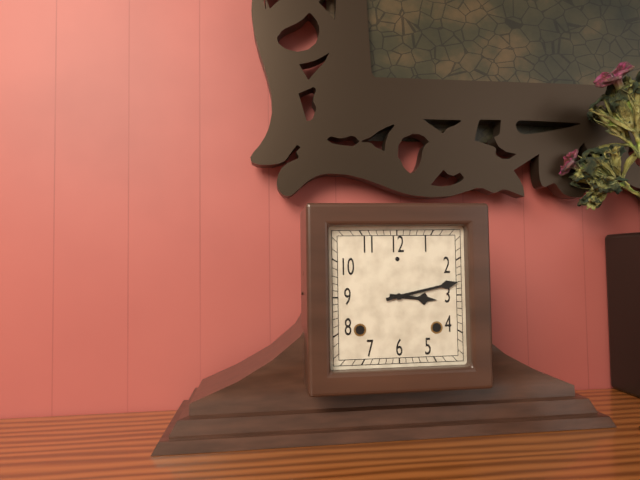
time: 3:13
